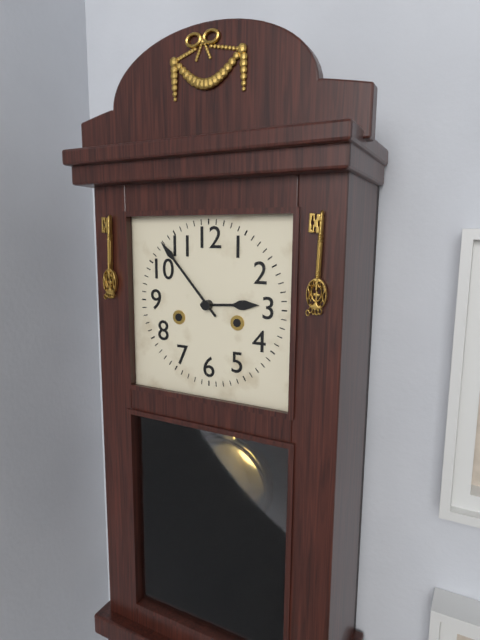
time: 2:53
